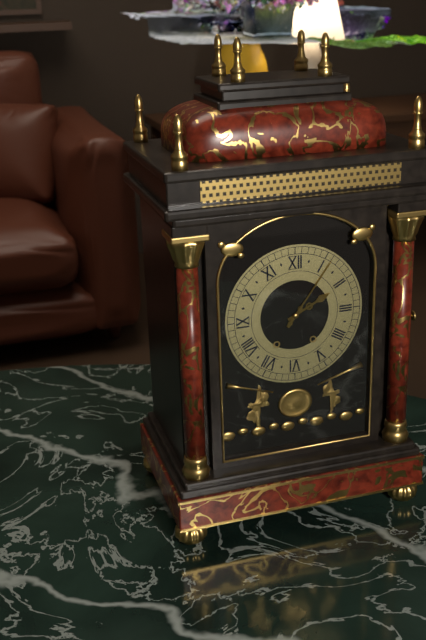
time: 2:06
